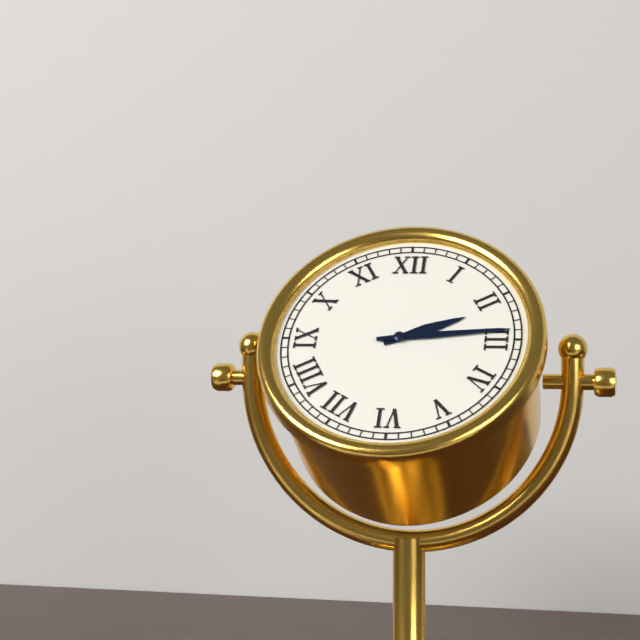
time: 2:14
